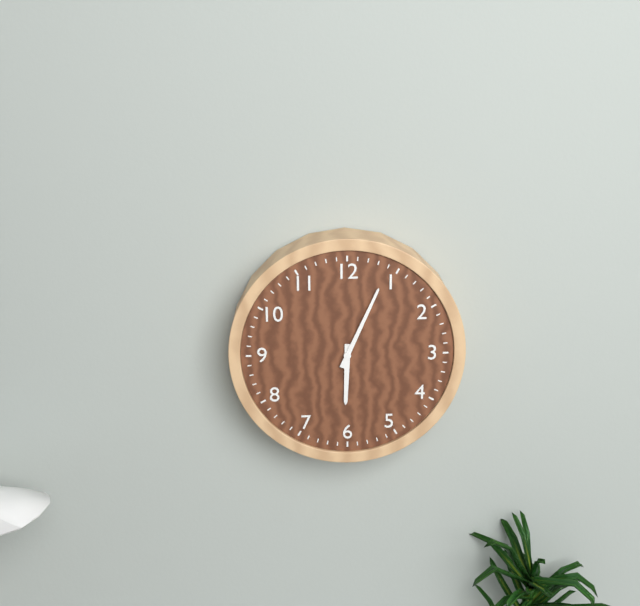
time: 6:04
